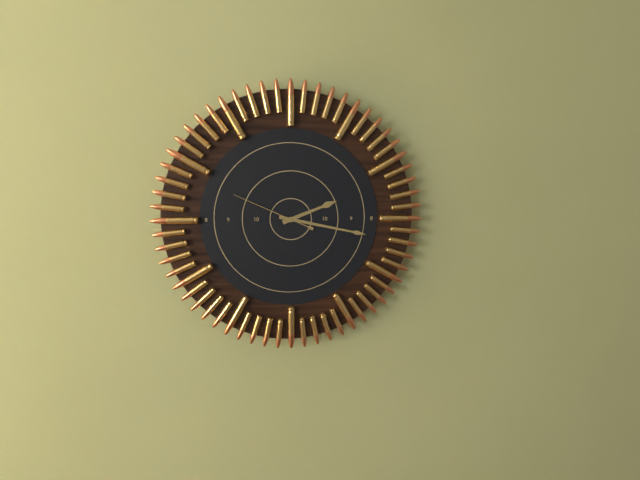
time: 2:17:49
